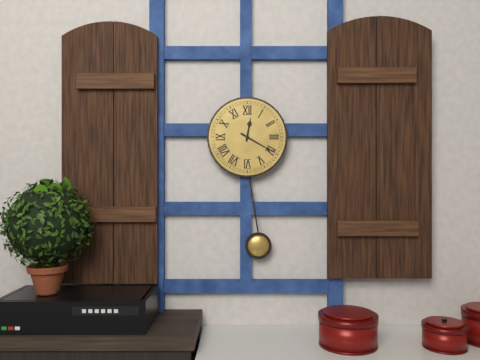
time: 12:20
